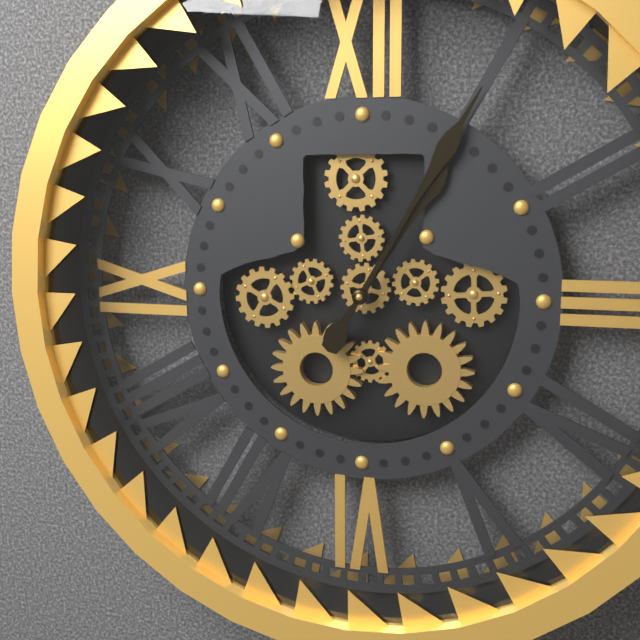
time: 1:05
